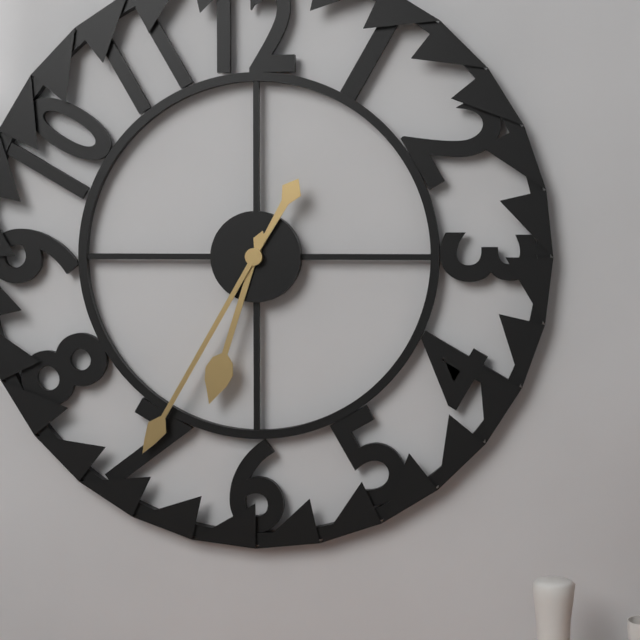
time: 6:35
